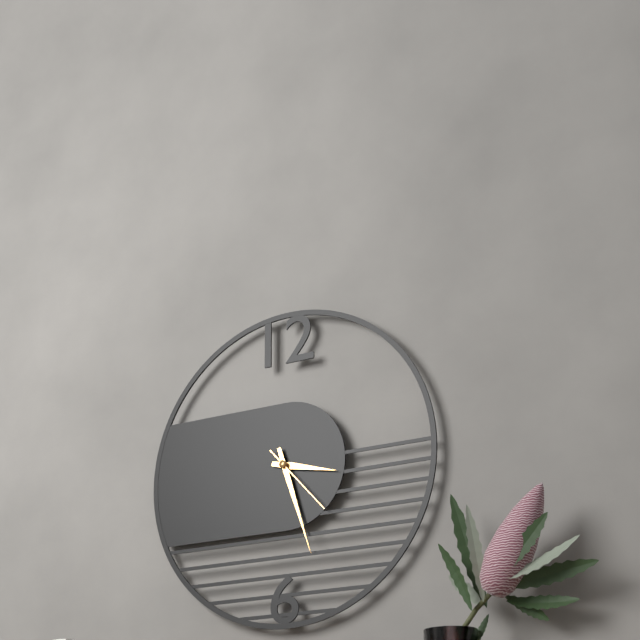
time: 3:27:23
